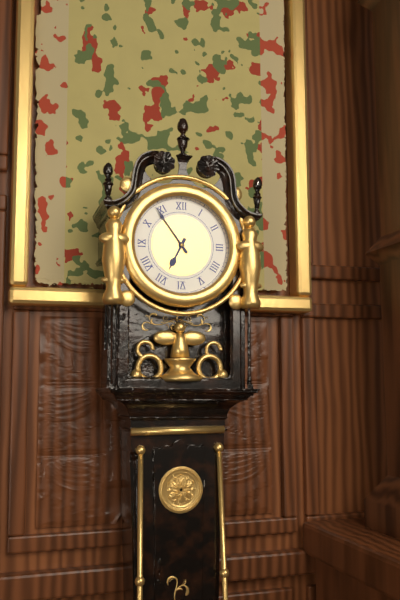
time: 6:54
